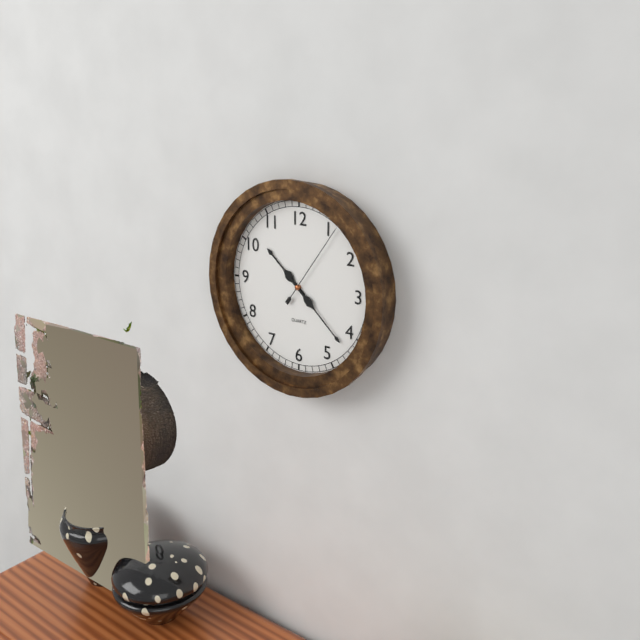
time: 10:22:06
